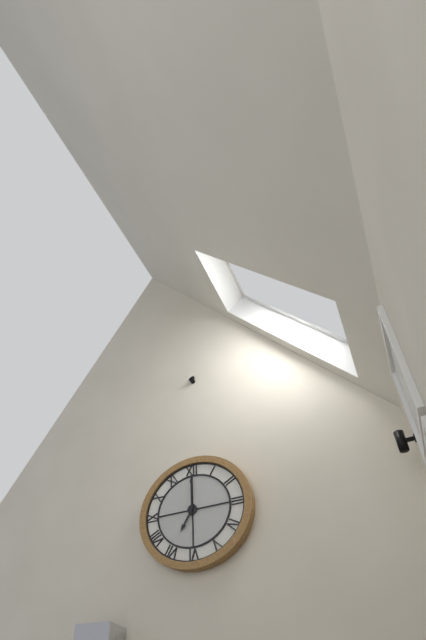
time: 7:00
